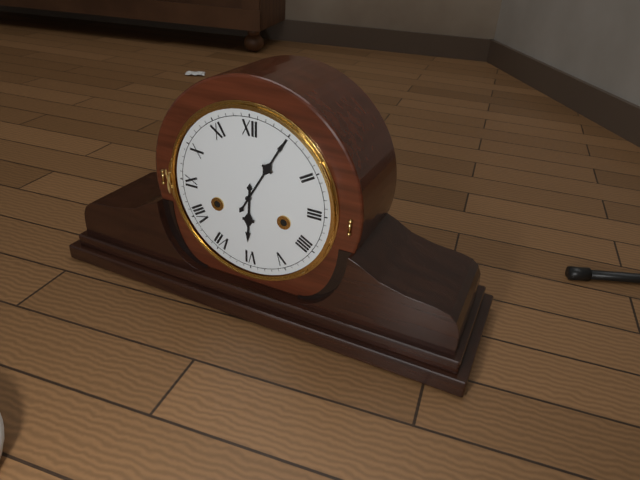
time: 6:05
